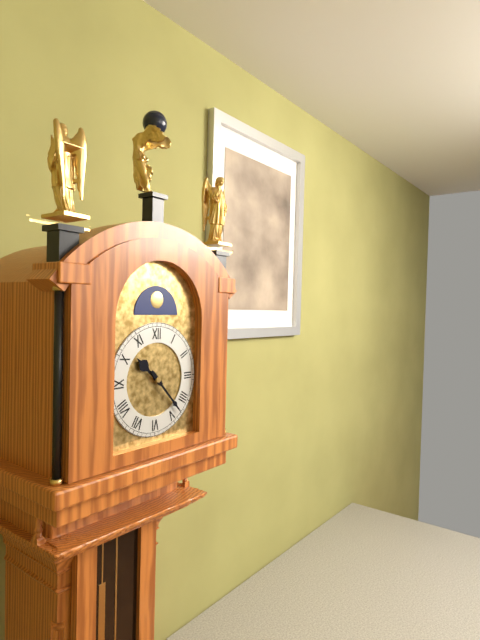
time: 10:23
